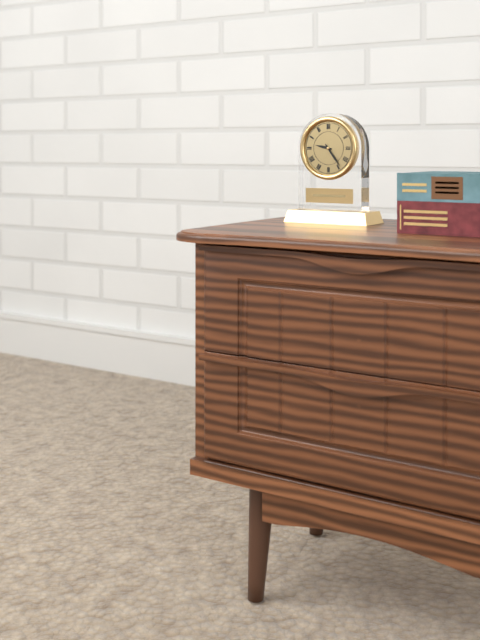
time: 9:24
